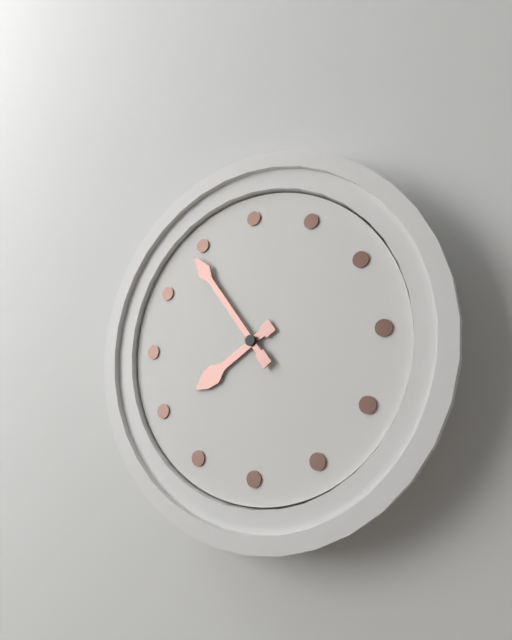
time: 7:54
